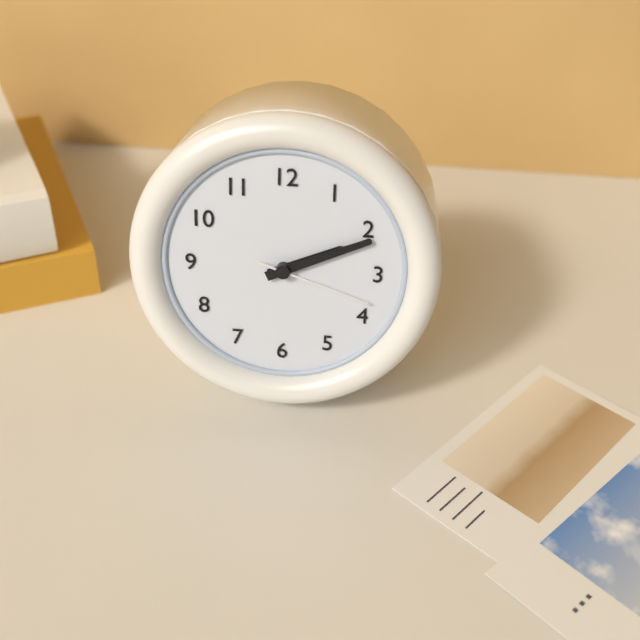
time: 2:11:18
